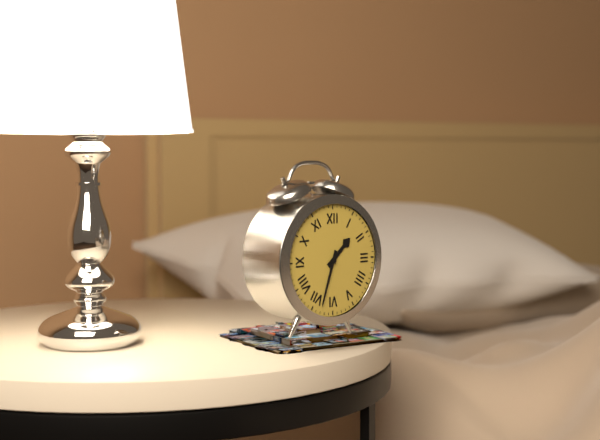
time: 1:33
